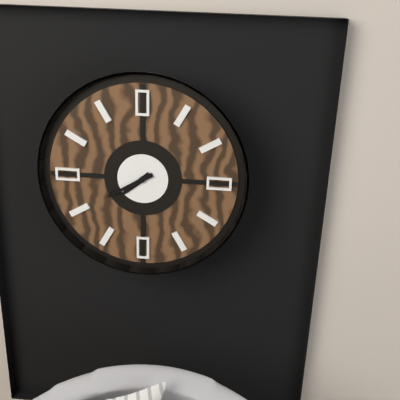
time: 7:40
